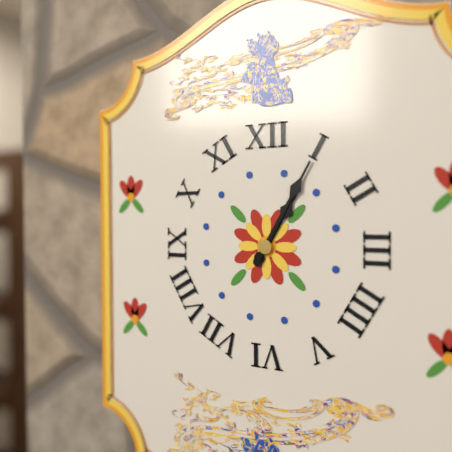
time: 1:05
